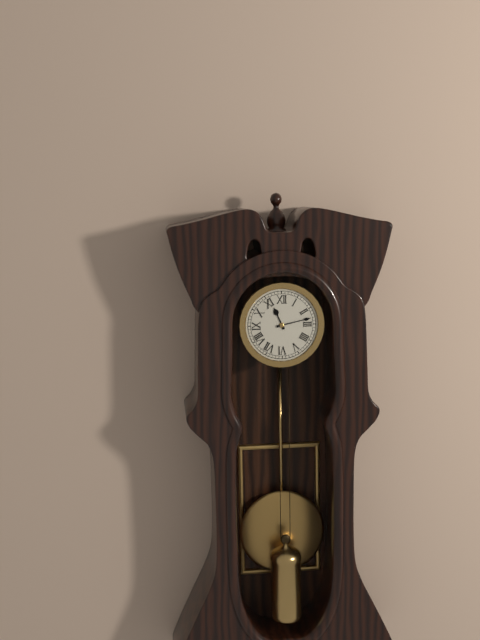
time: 11:13
